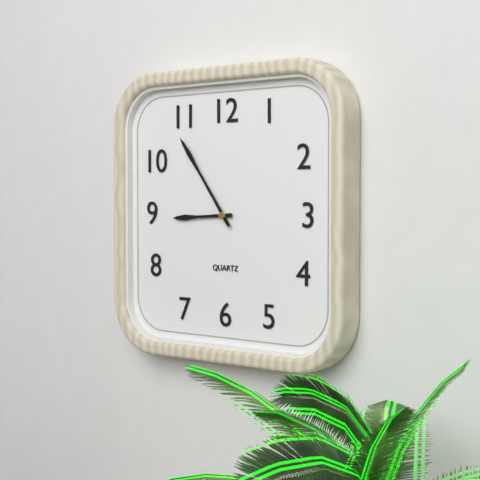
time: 8:54
